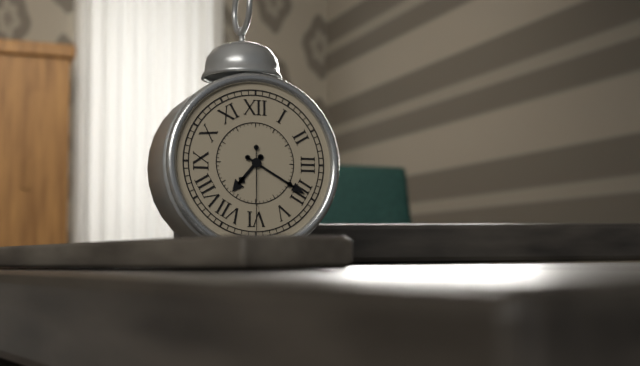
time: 7:20:30
